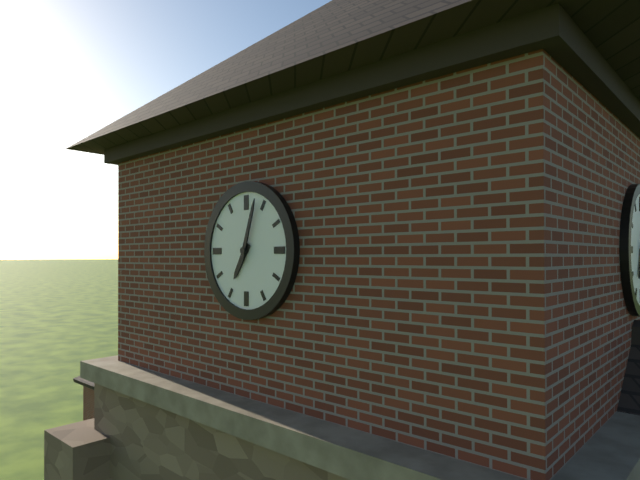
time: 7:03
